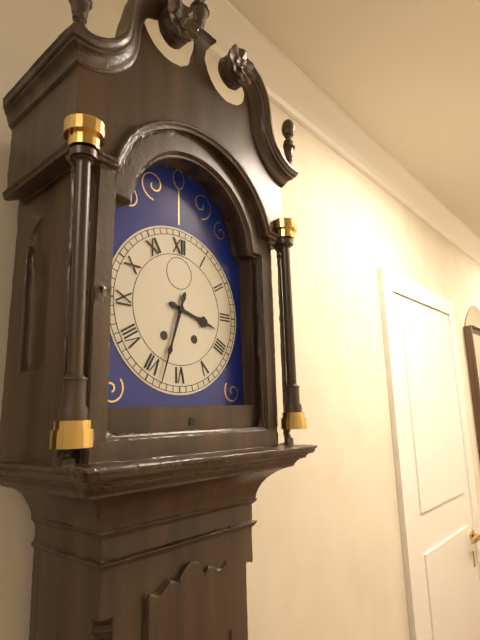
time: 3:33
